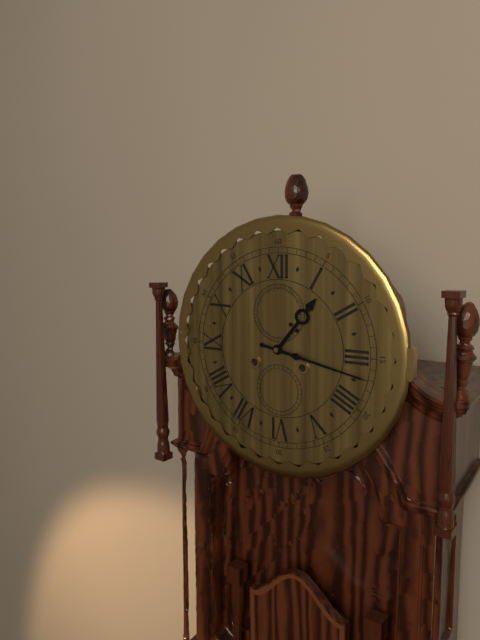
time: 1:17
